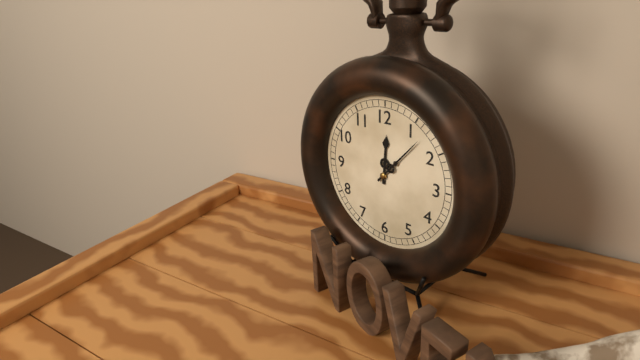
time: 12:07
